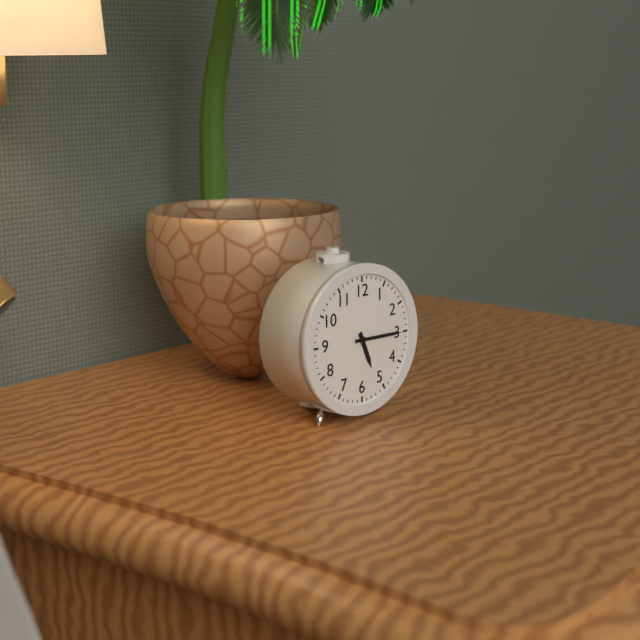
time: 5:15
